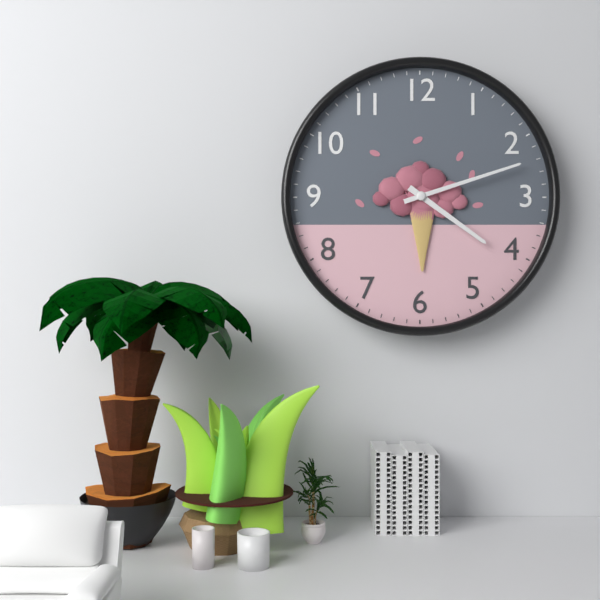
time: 4:12
